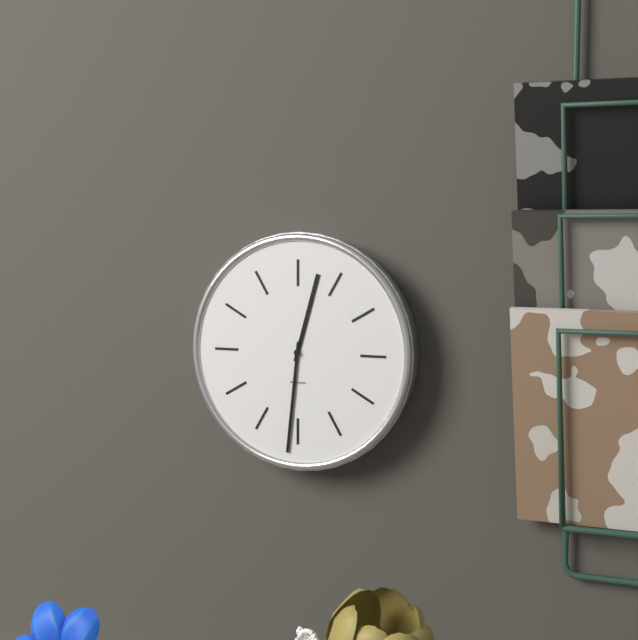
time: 12:31
